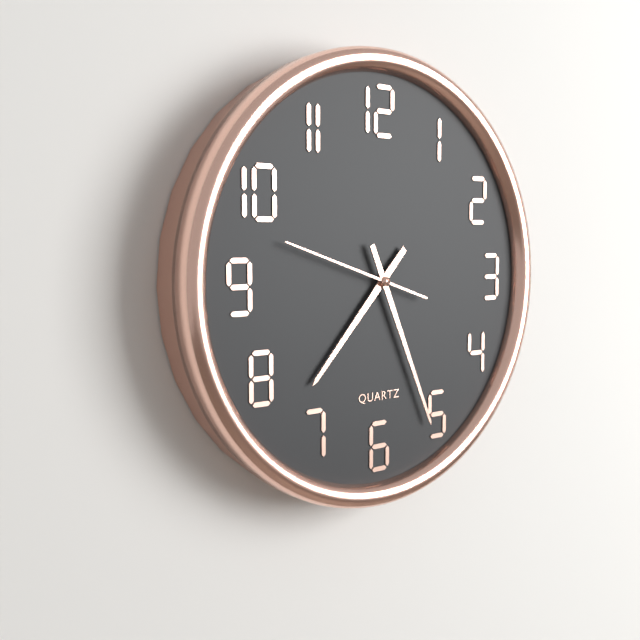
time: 7:26:48
